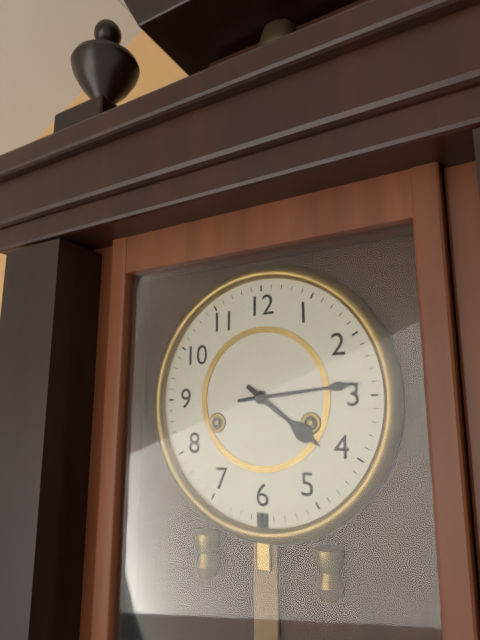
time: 4:14
